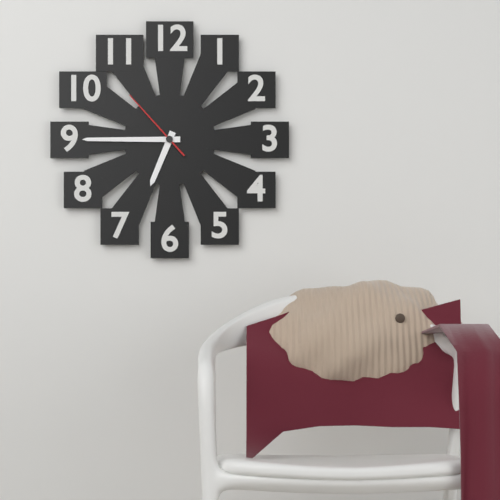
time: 6:45:53
